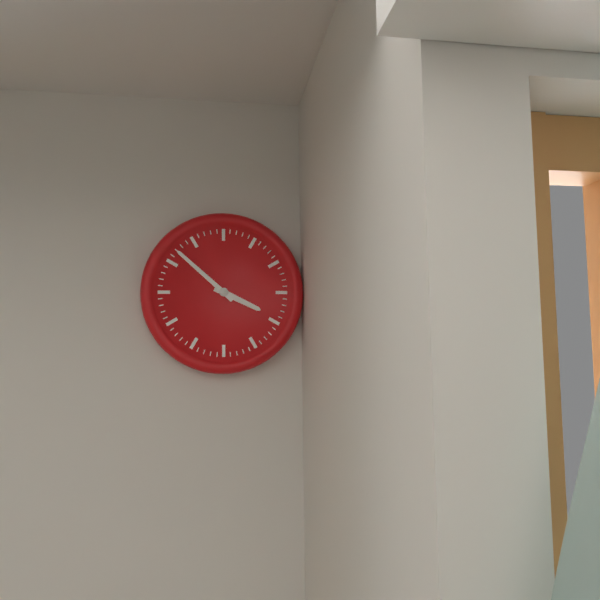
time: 3:52
